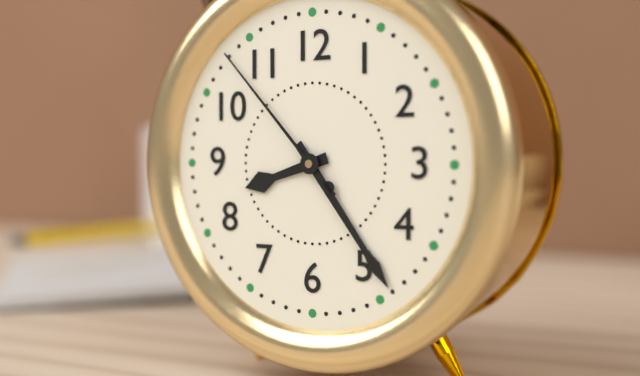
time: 8:24:53
